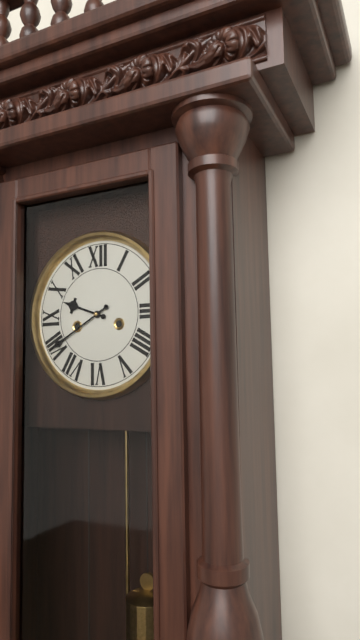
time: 9:40
